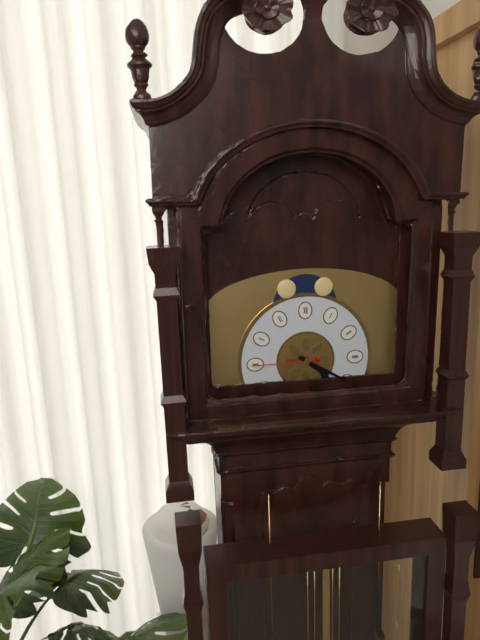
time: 4:20:45
